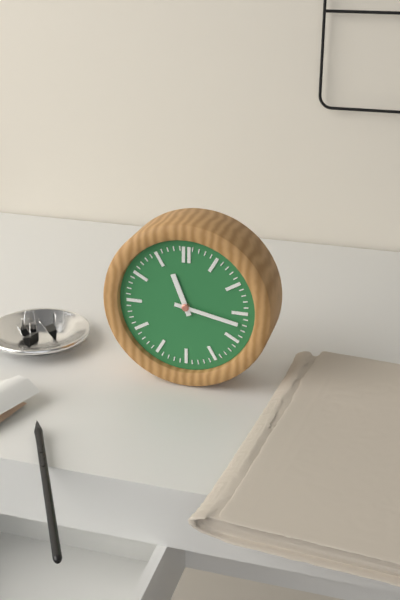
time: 11:17
